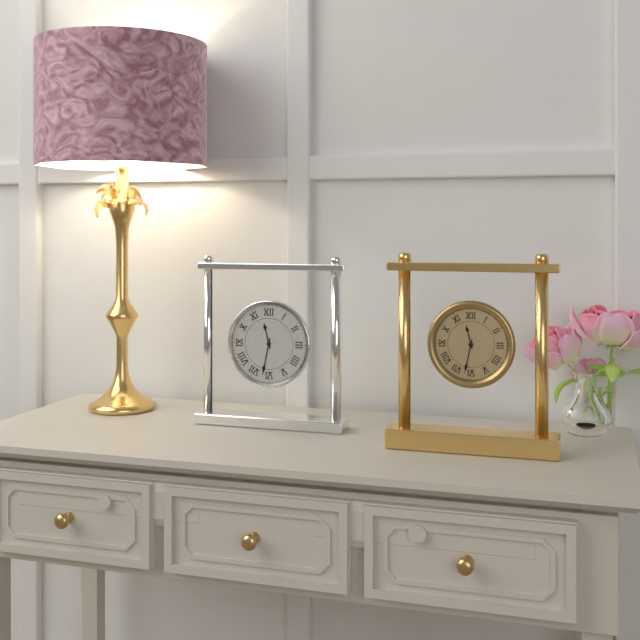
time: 11:32
